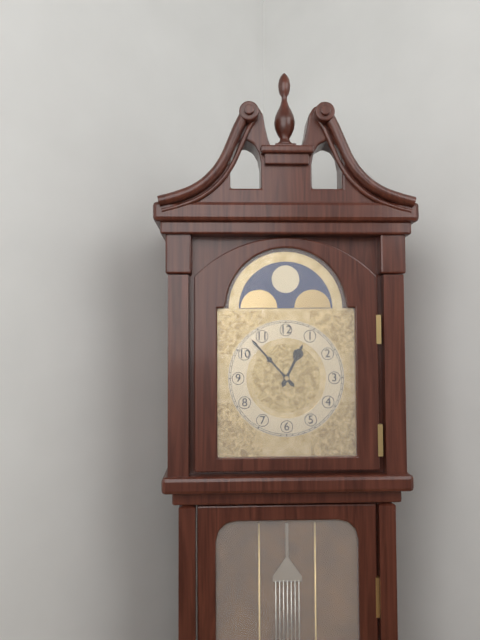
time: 12:53
